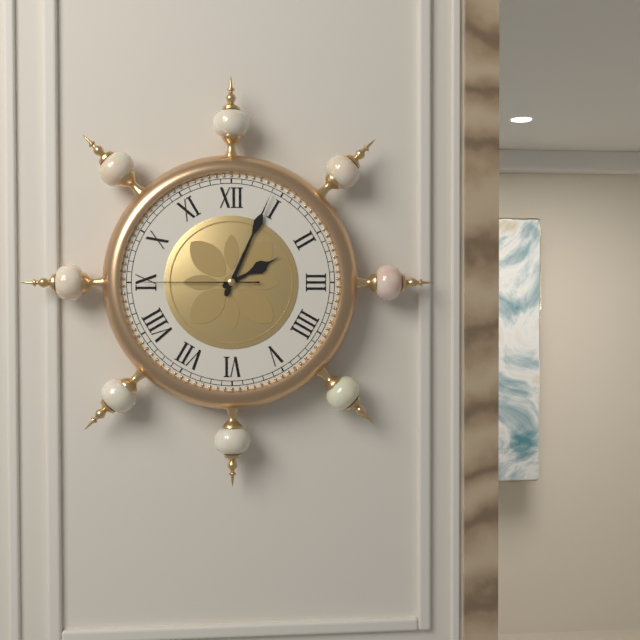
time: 2:04:45
